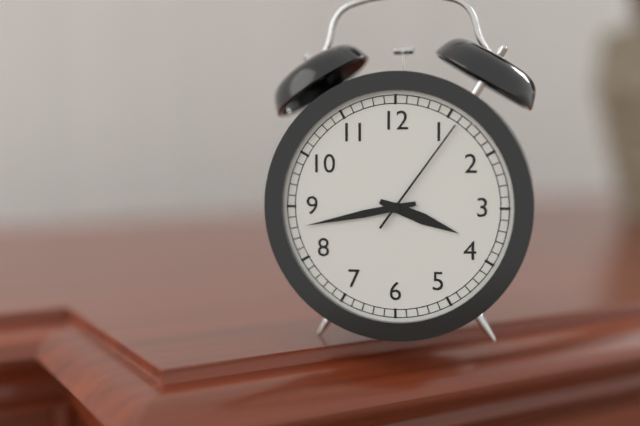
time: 3:43:06
